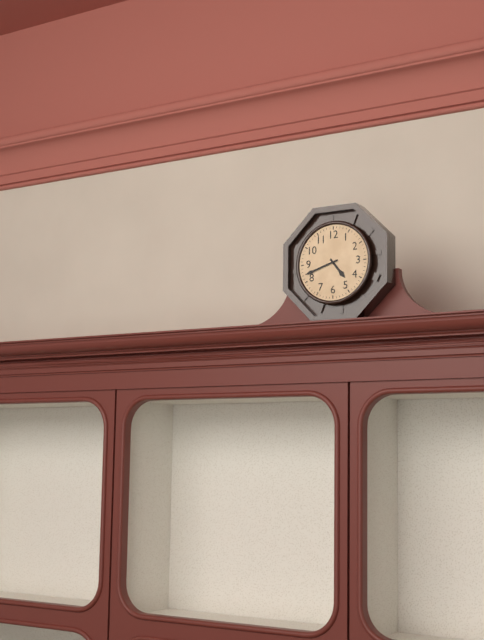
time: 4:42
